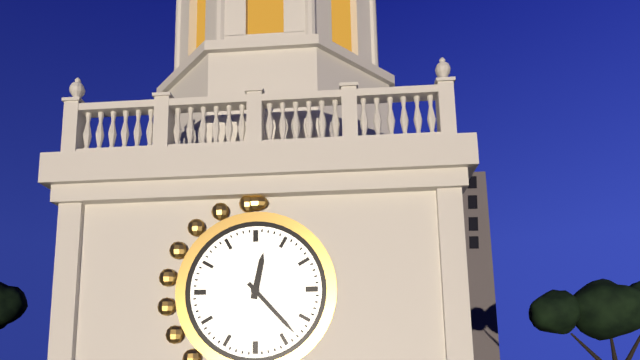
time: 12:23
